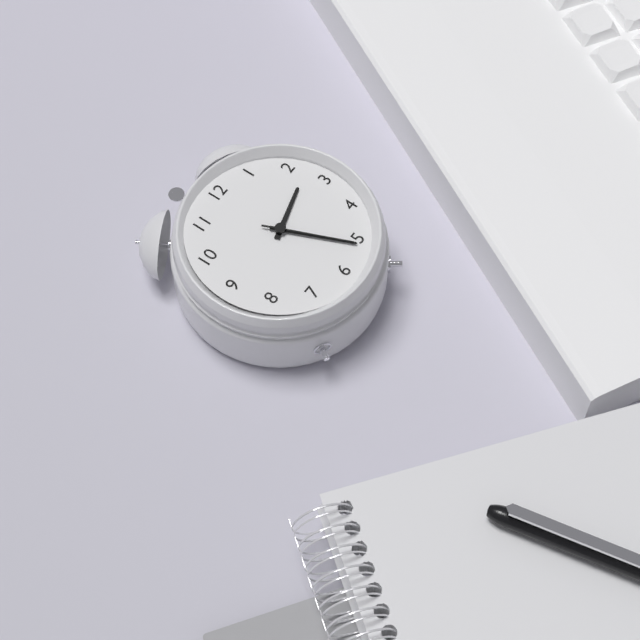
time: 2:26:26
